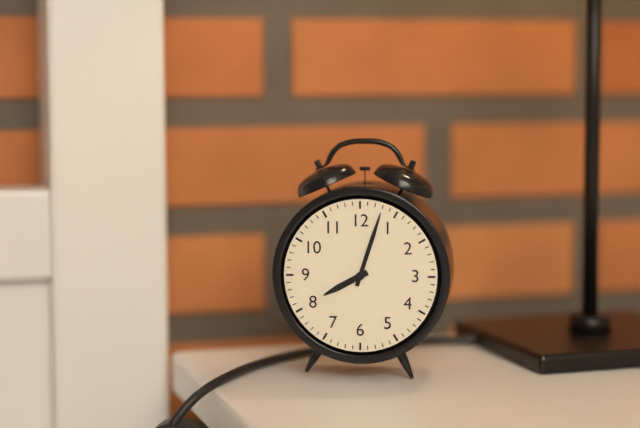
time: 8:03
